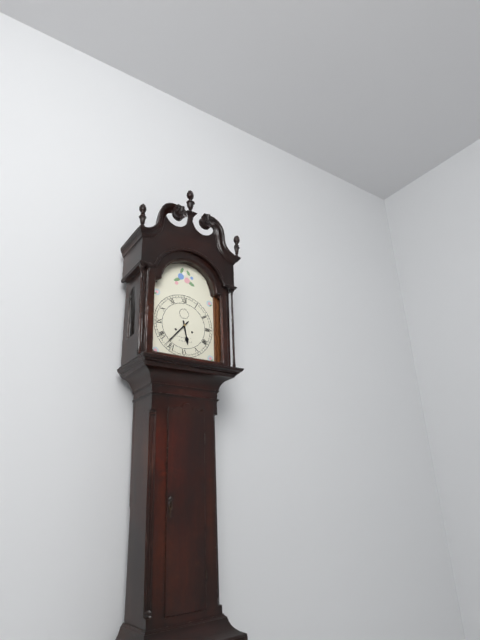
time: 5:37
